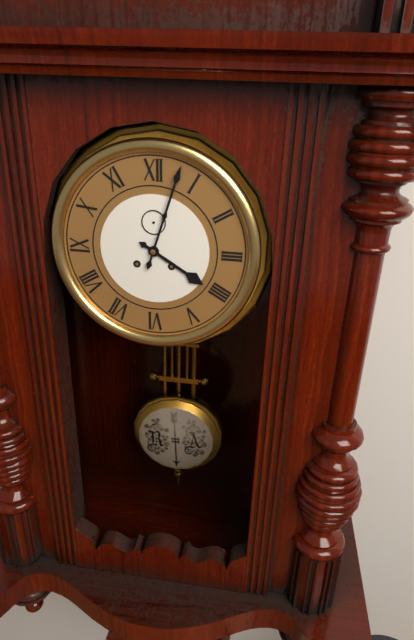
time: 4:03
